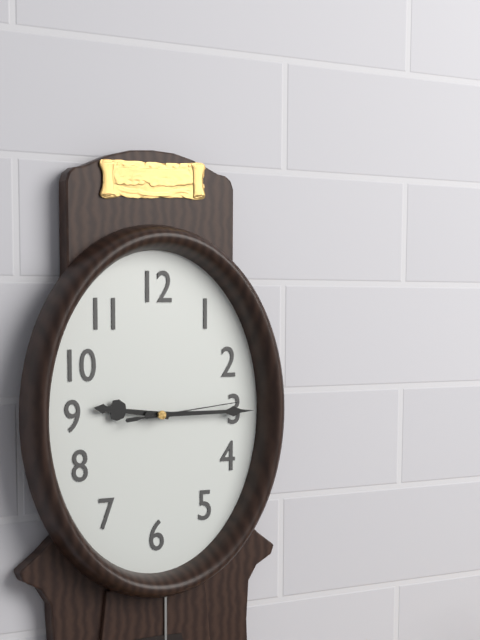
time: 9:15:14
